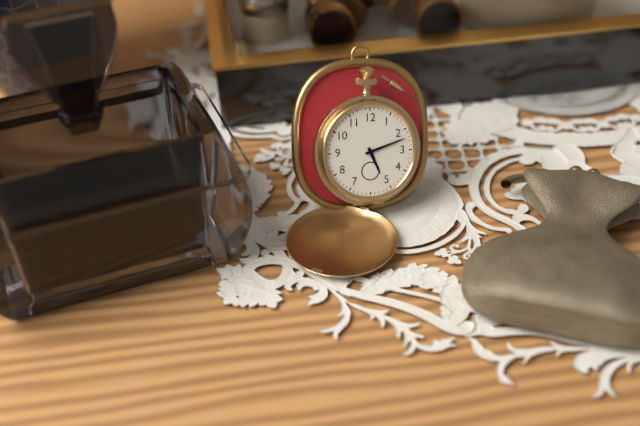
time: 5:12
